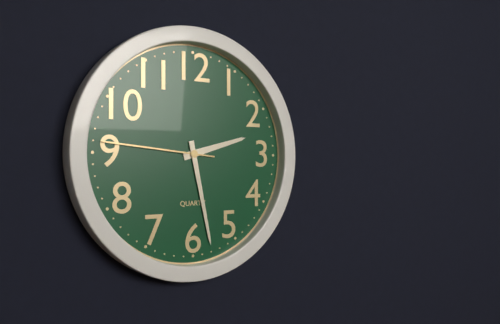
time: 2:28:46
